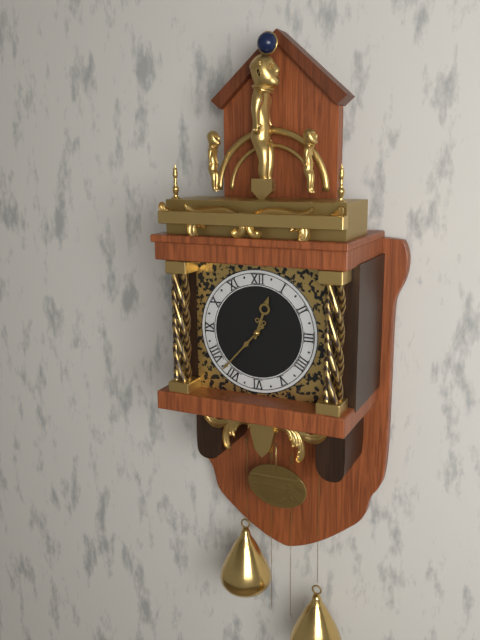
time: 12:37
